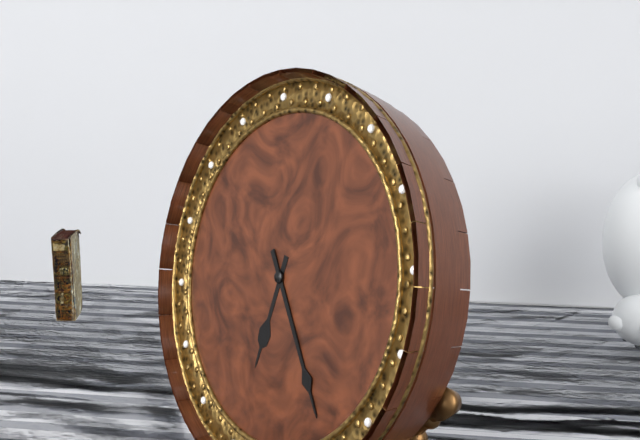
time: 6:24
